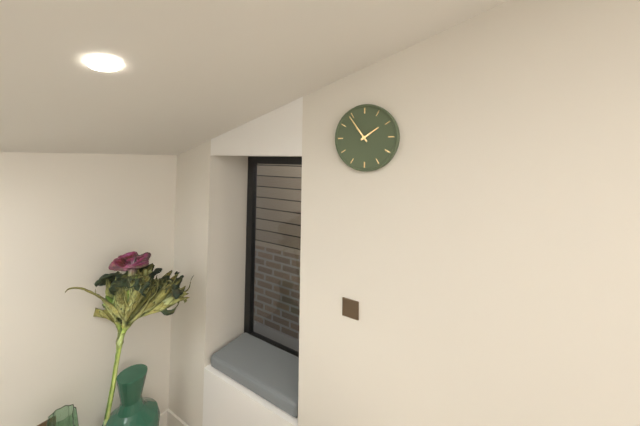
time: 1:54
